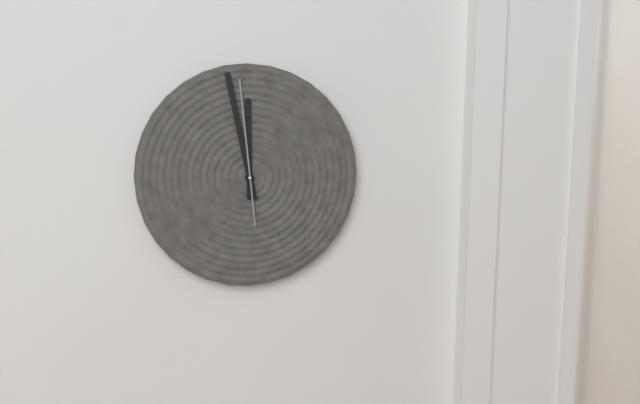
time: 11:58:59
